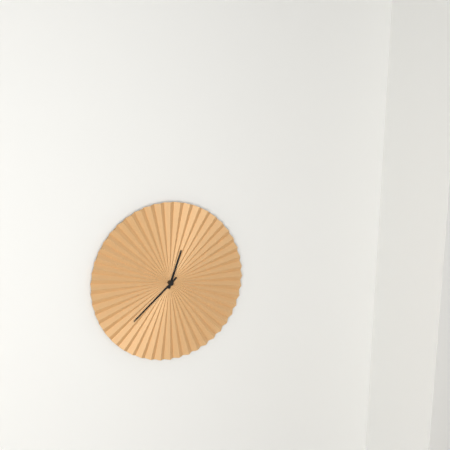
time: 12:38
